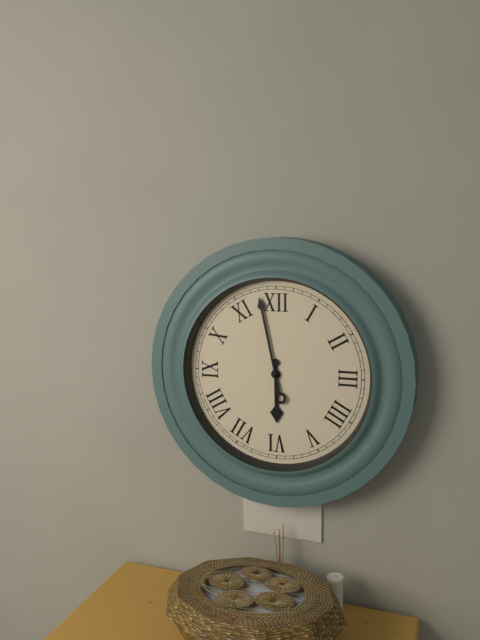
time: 5:58
